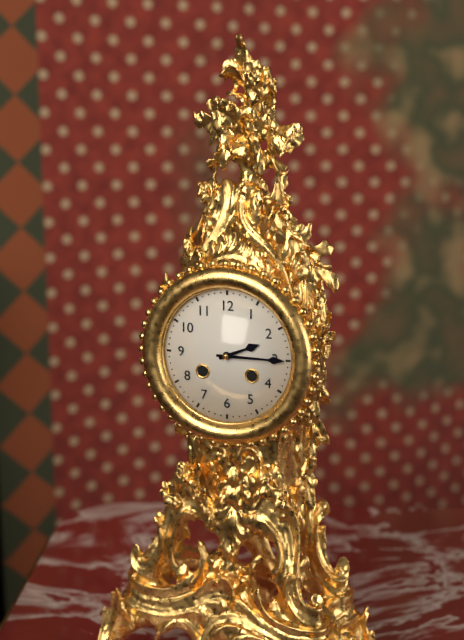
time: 2:15
